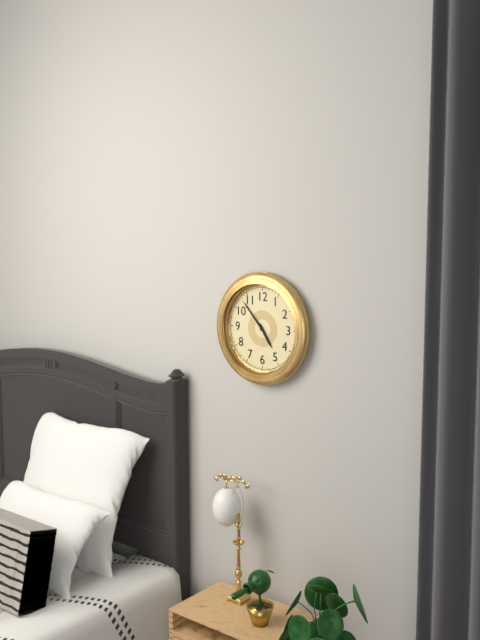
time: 4:53
